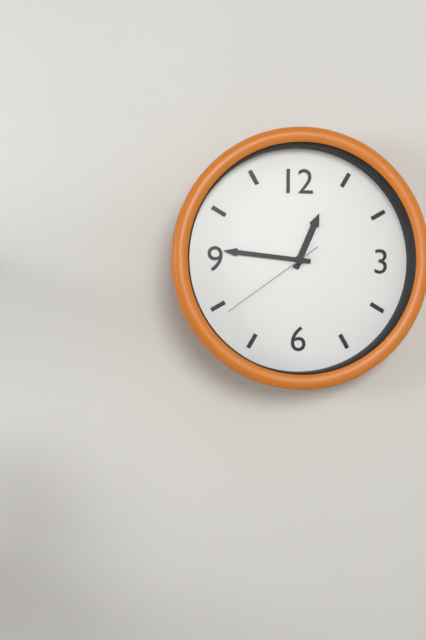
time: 12:46:39
